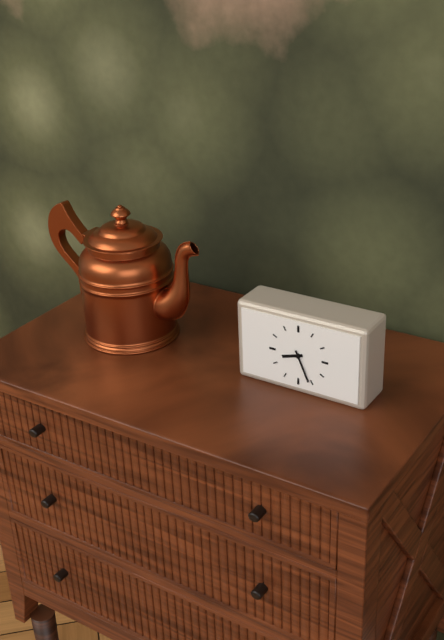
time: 8:26
